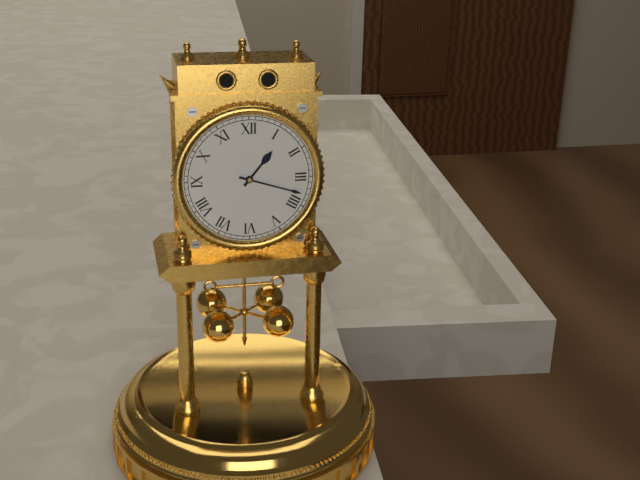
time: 1:18
